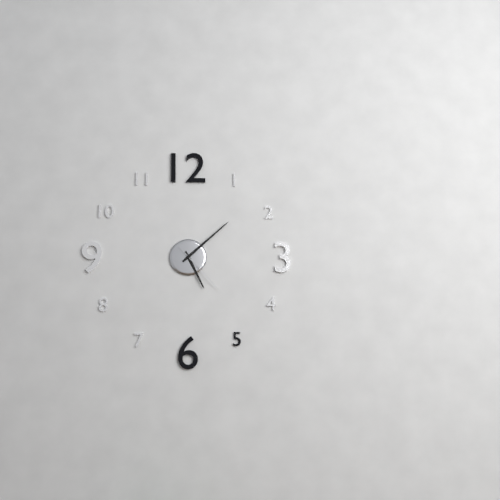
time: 5:08:23
